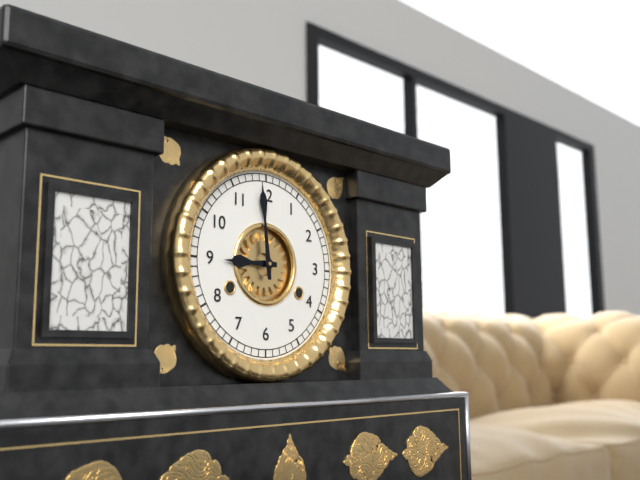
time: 8:59
